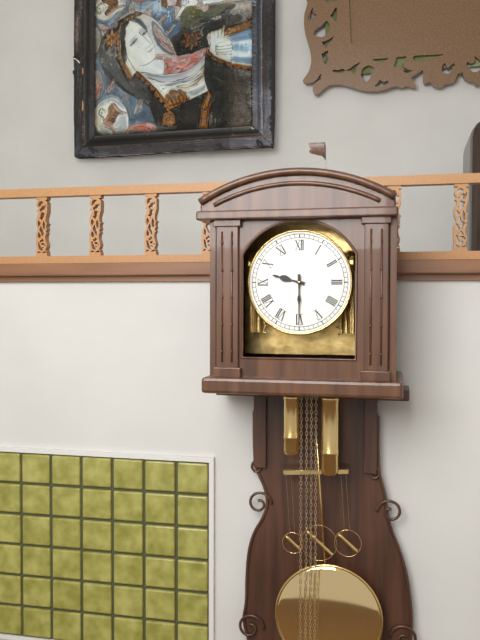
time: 9:30
